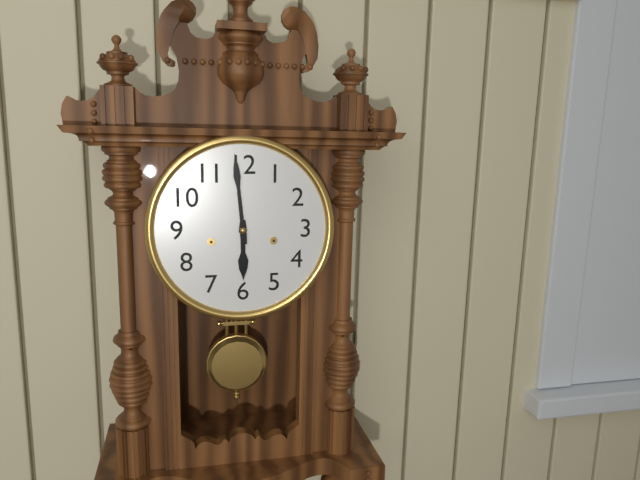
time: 5:59
